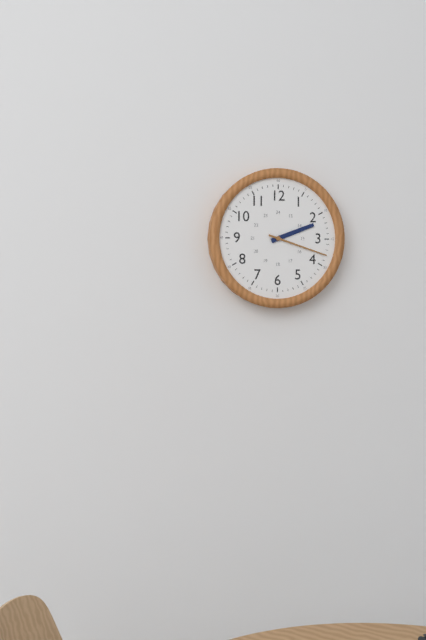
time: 2:18
